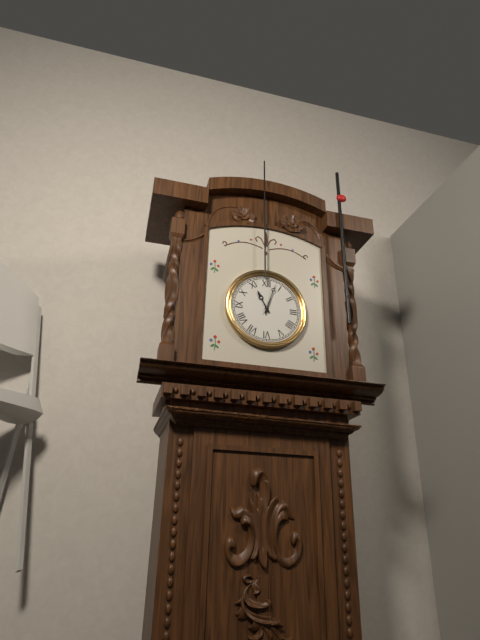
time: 11:03
